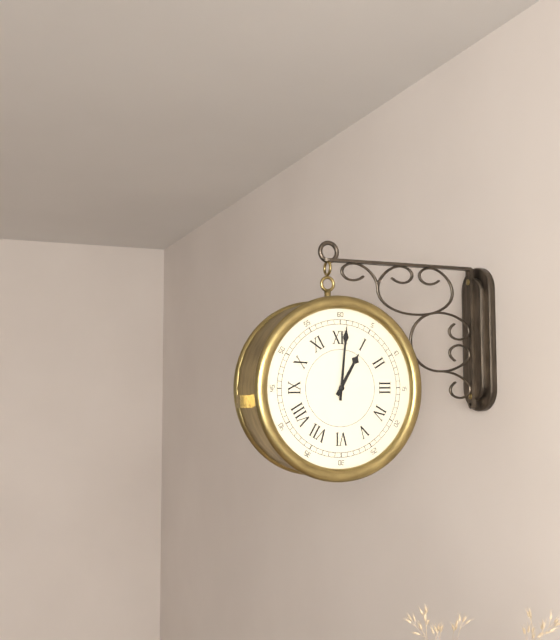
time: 1:01
